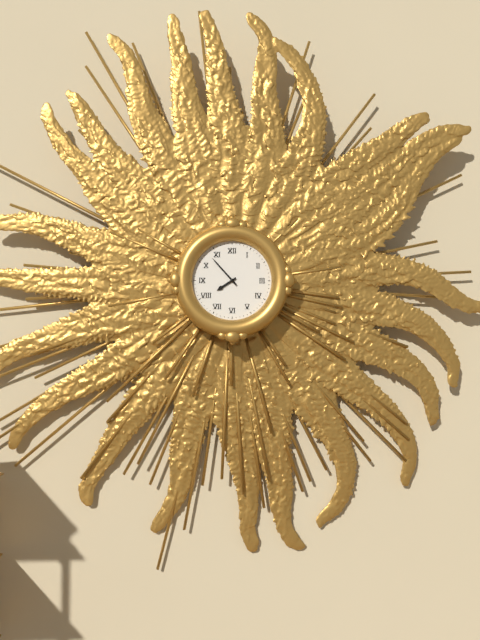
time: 7:53
